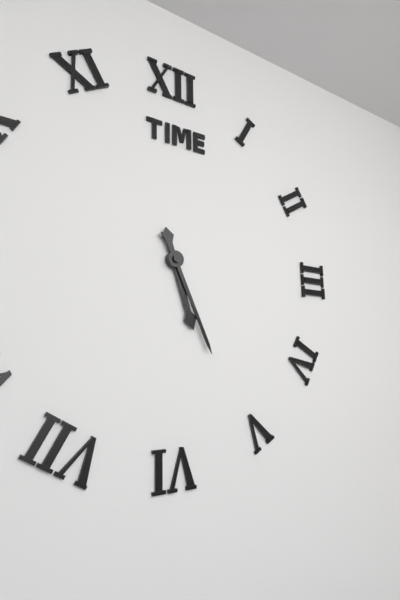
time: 5:26
